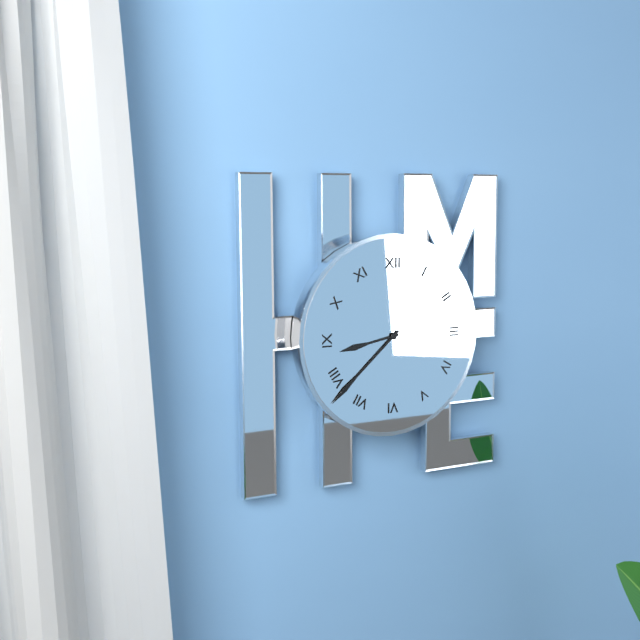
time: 8:38
